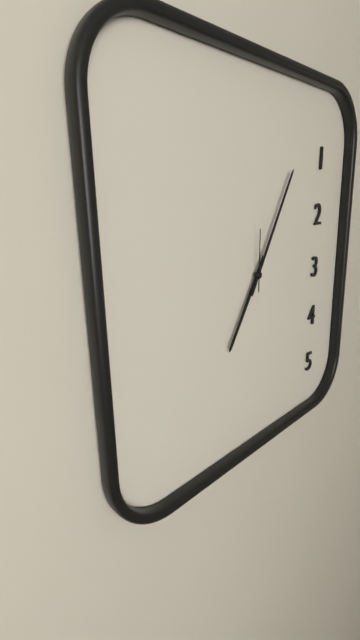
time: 7:05:00
